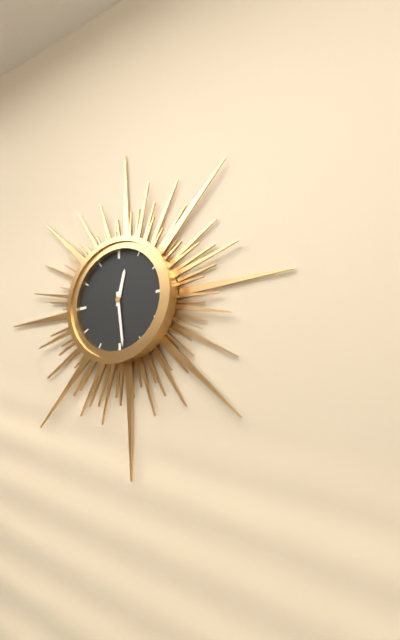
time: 12:29
